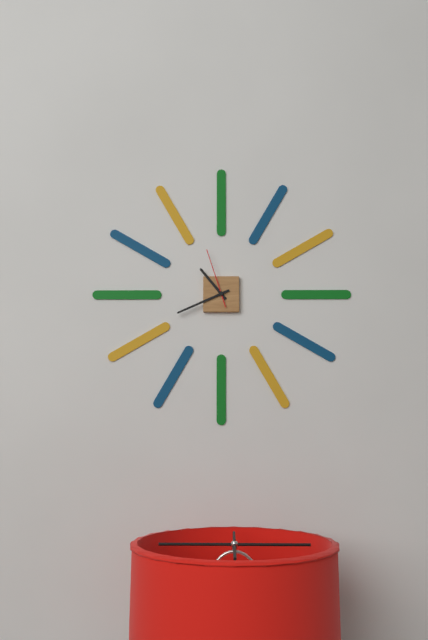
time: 10:41:57
